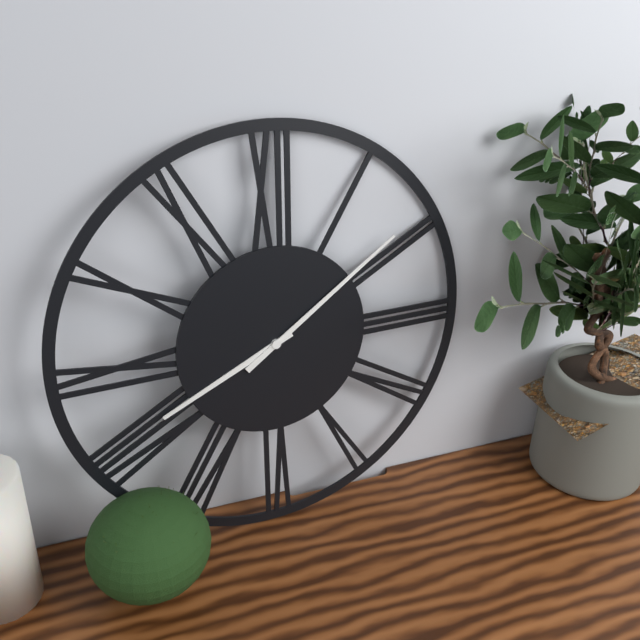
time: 8:09
